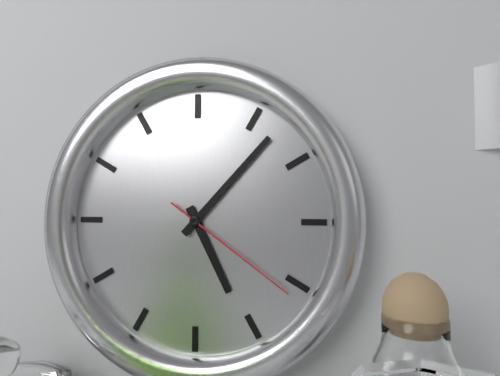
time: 5:07:21
